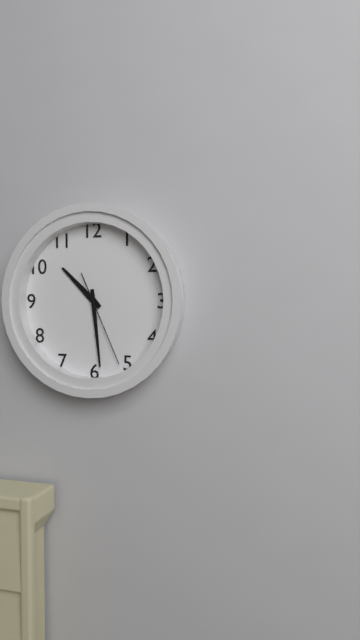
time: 10:29:26
